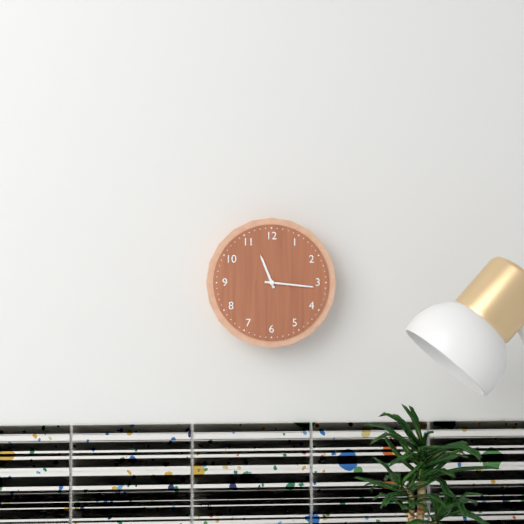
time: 11:16
